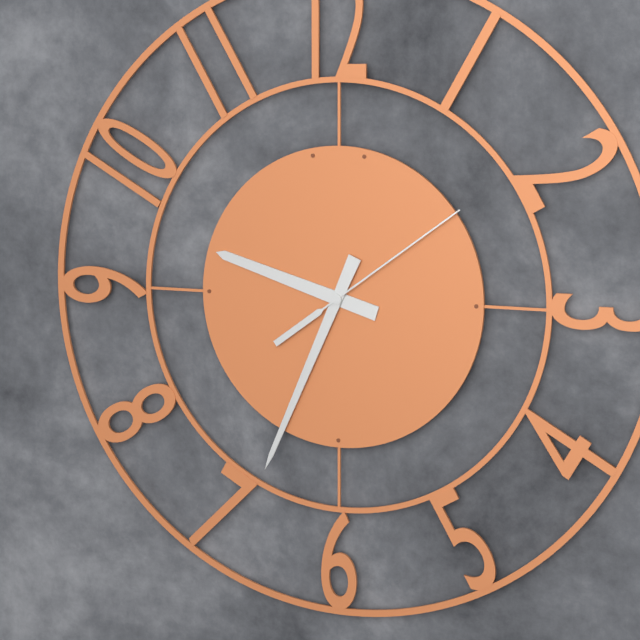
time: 9:34:09
